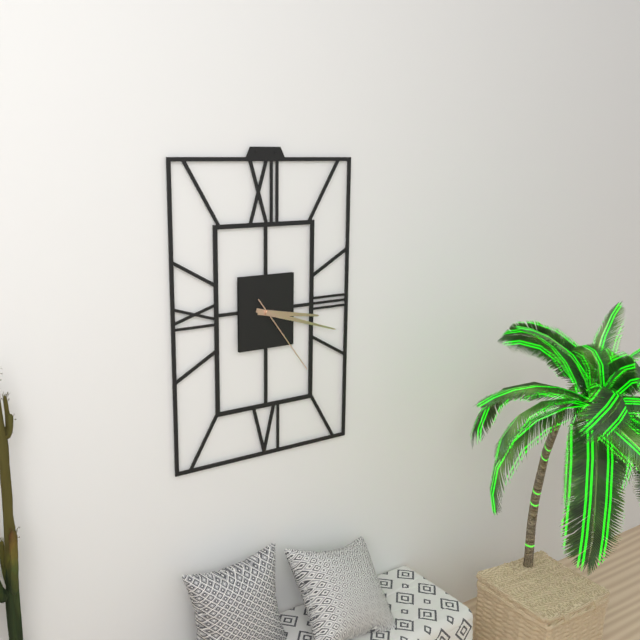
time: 3:18:24
